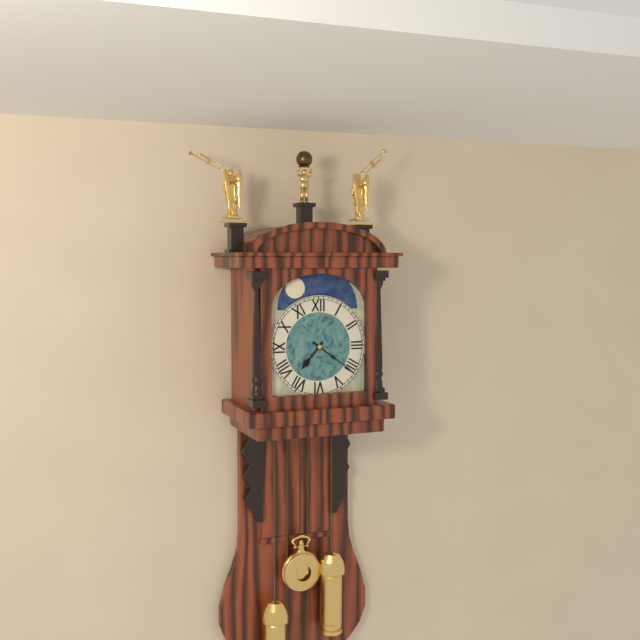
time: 7:21
